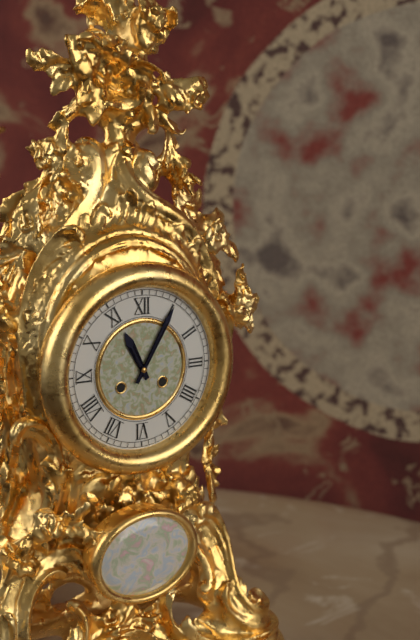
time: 11:05
